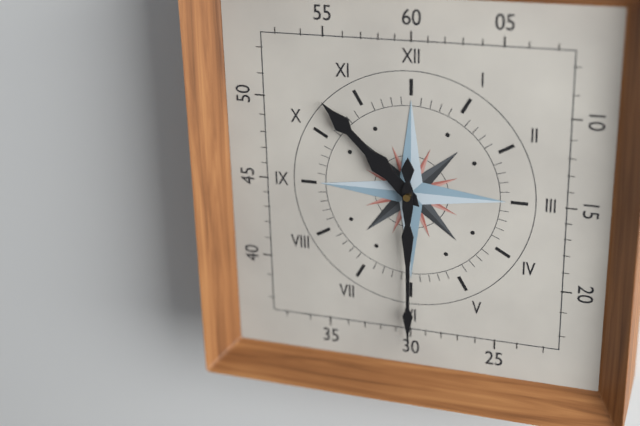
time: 10:30
